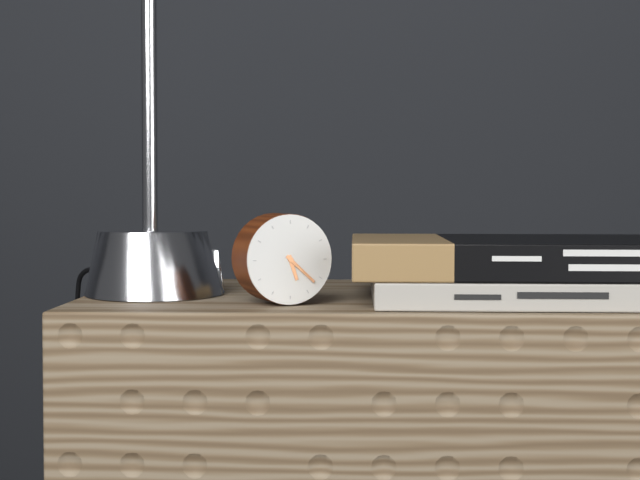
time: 5:22
